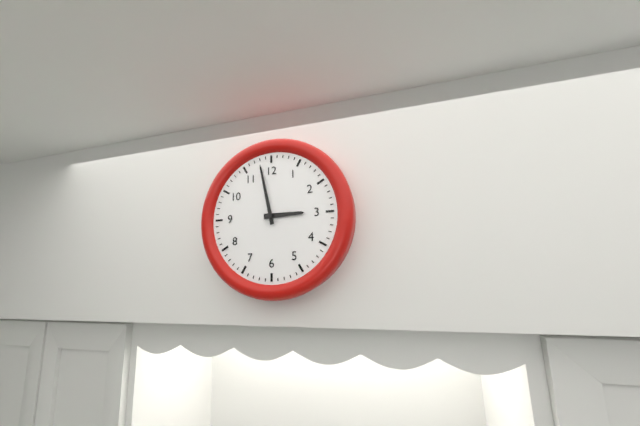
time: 2:58
